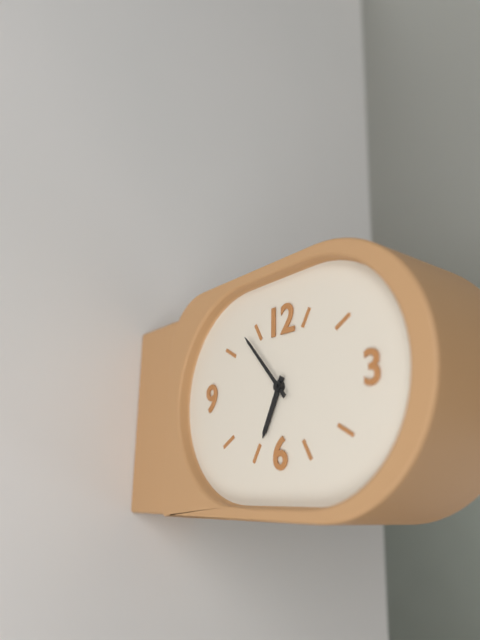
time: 6:53
